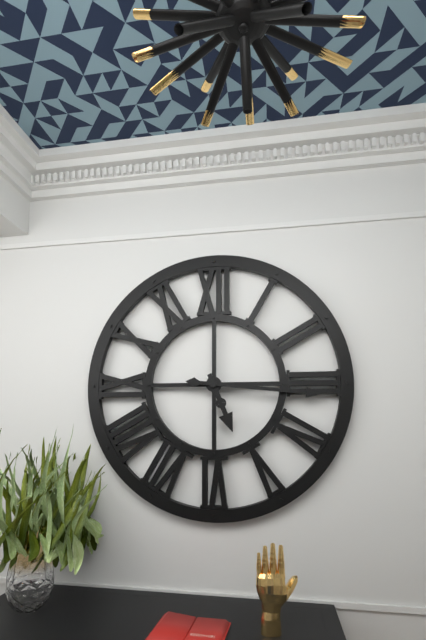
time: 5:16
